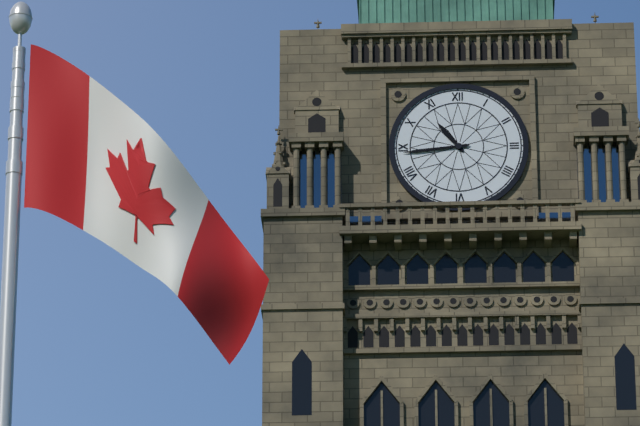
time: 10:44
